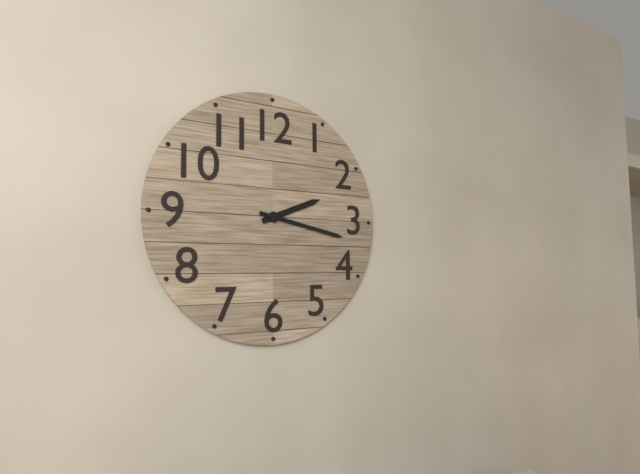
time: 2:17
